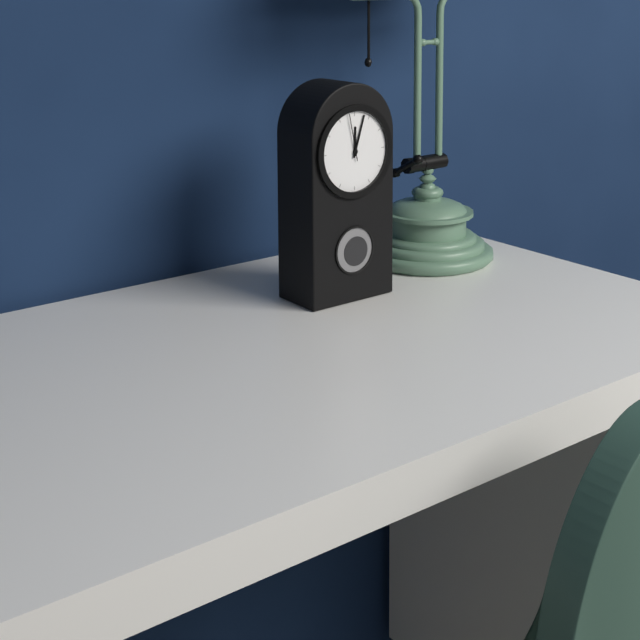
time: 12:03
